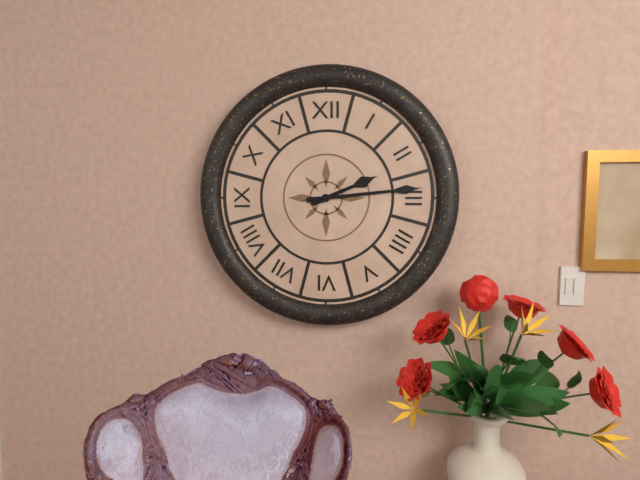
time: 2:14
